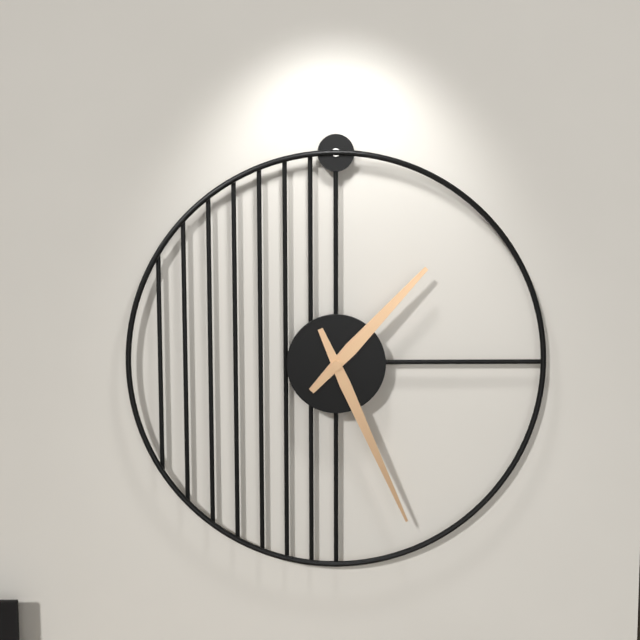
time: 1:26
